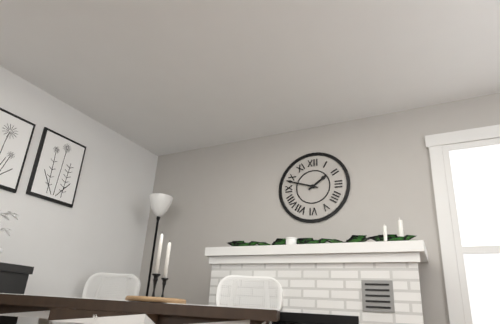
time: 1:48
